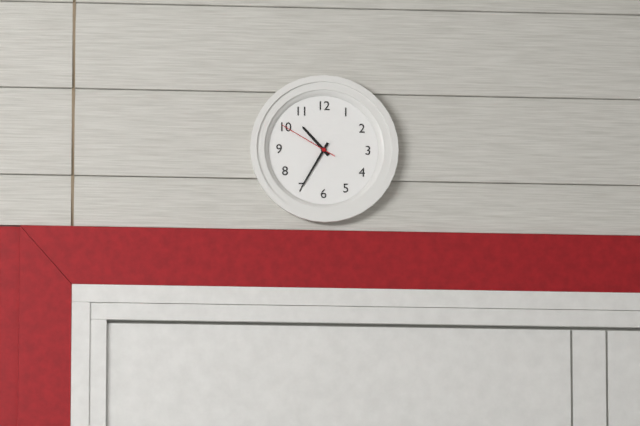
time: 10:35:50
